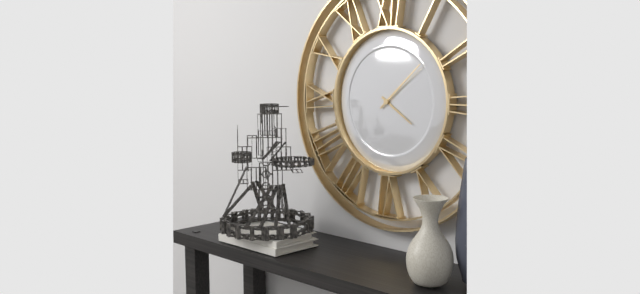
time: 4:08
